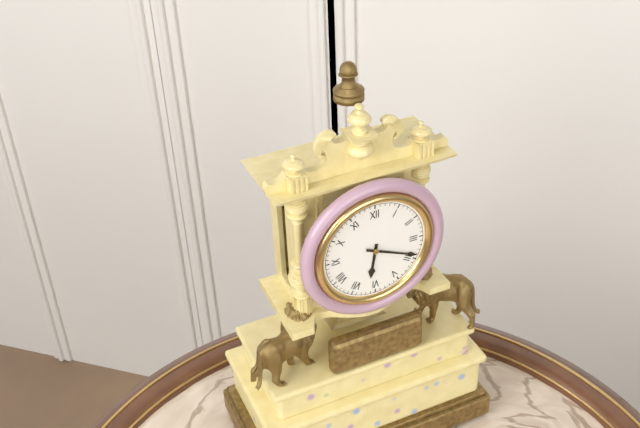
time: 6:19
